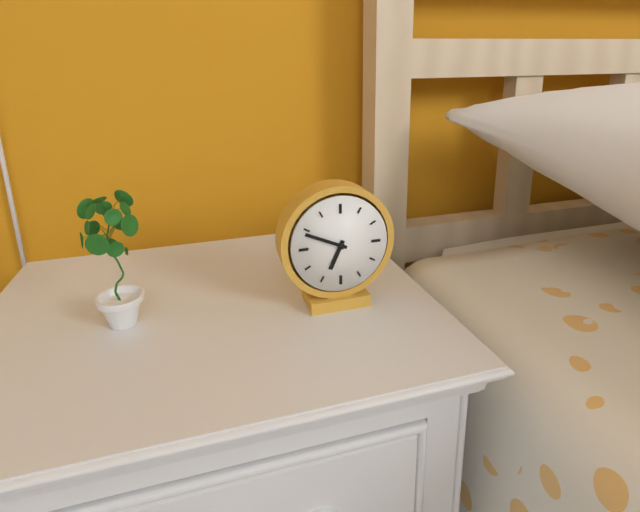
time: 6:49
